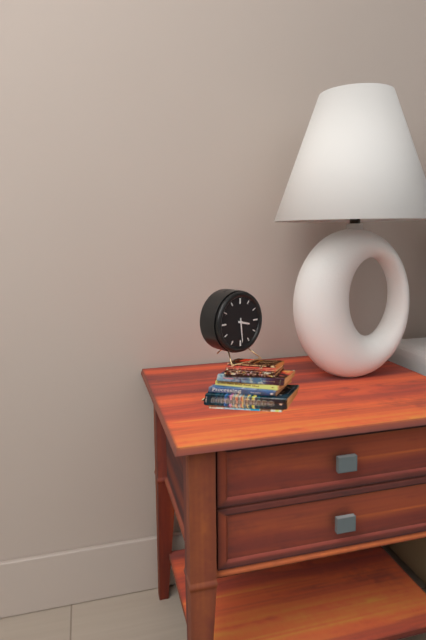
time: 3:29
